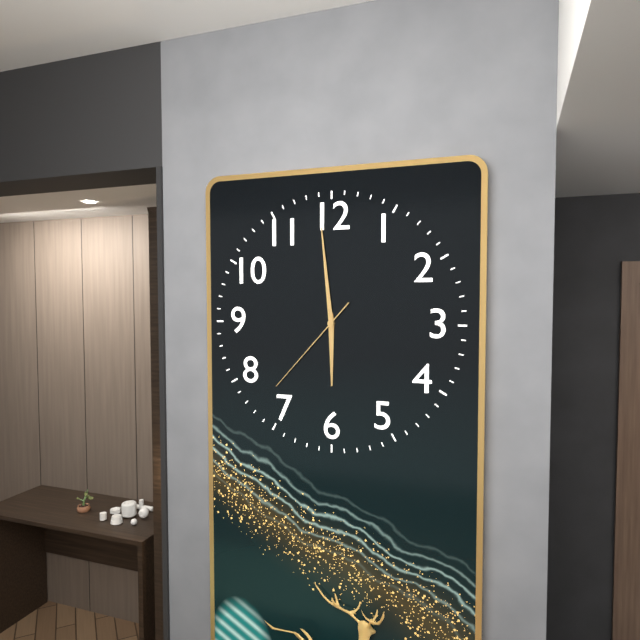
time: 5:59:37
